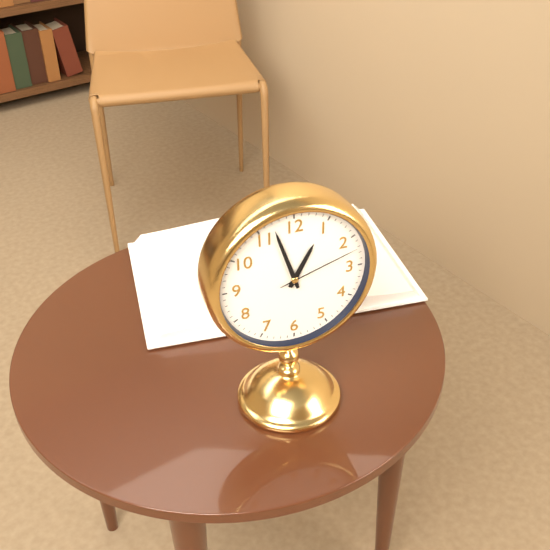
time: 12:57:12
